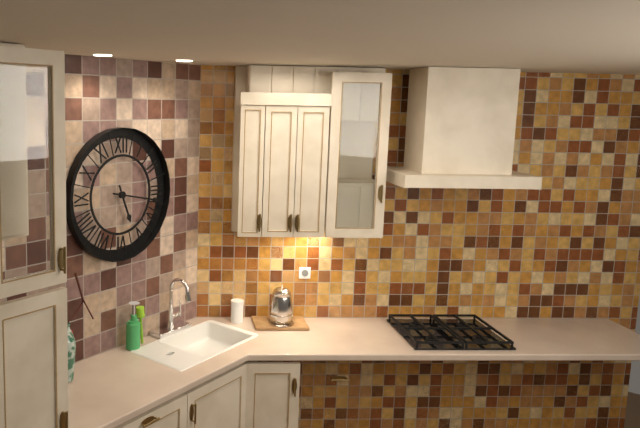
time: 5:17
